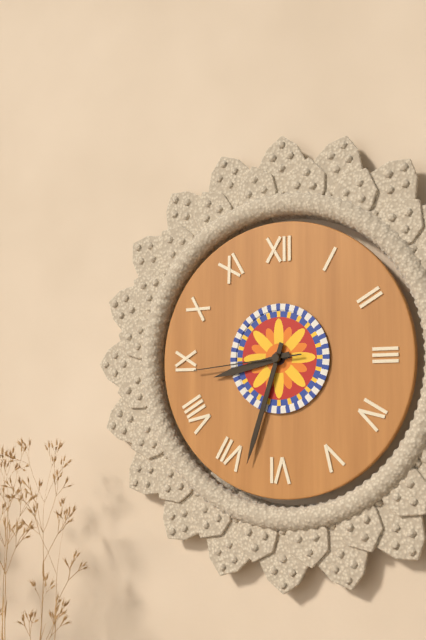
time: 8:33:44
